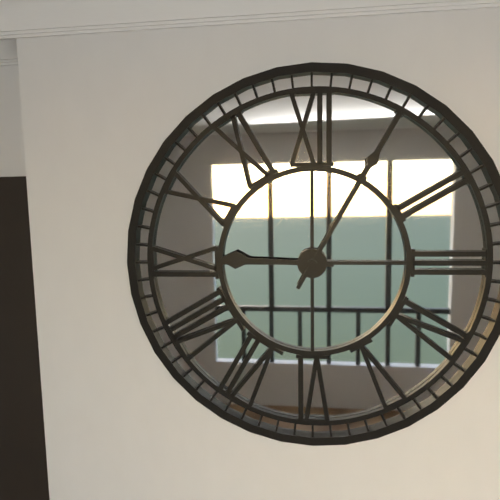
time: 9:05
